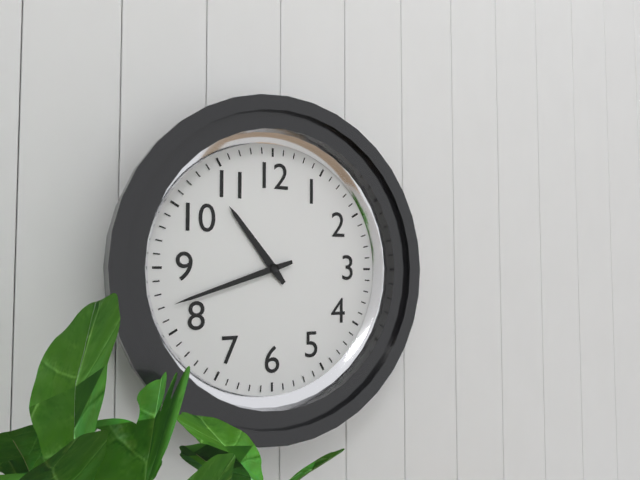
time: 10:42
